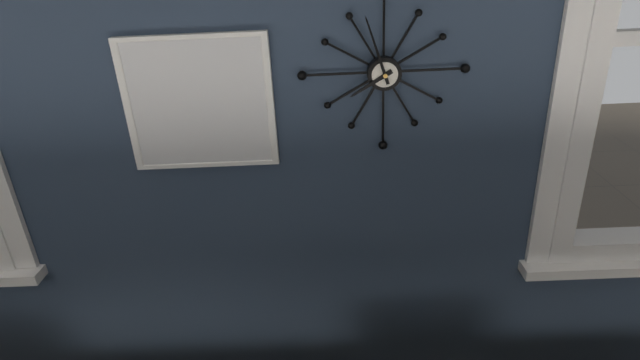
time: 7:57
